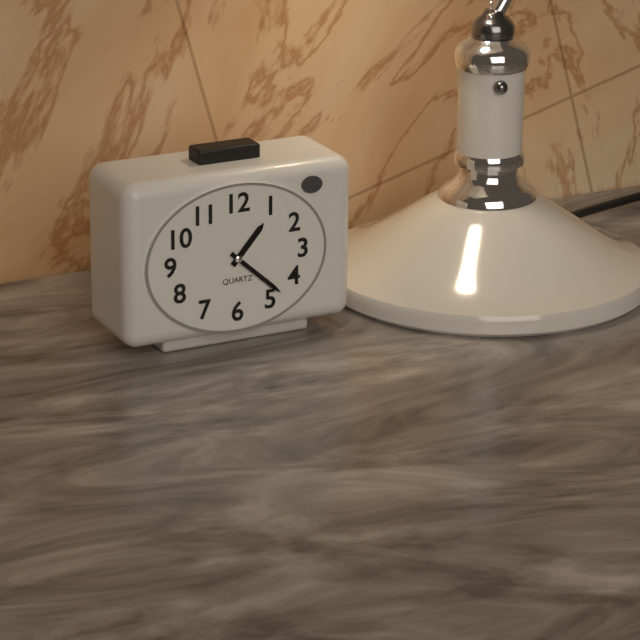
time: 1:22
